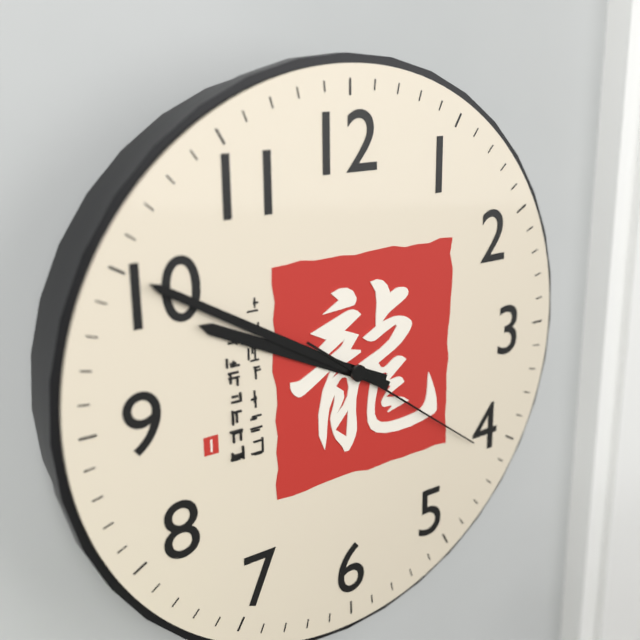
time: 9:50:21
